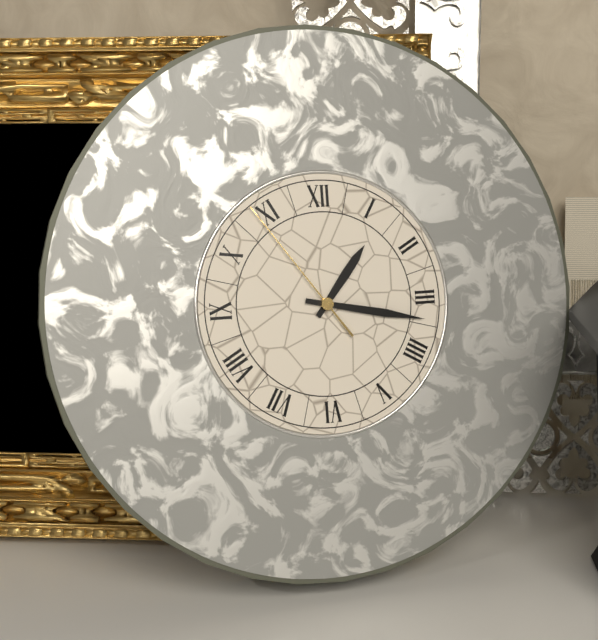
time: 1:17:54
